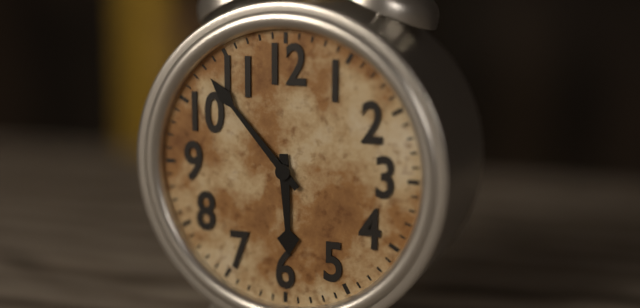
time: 5:53
